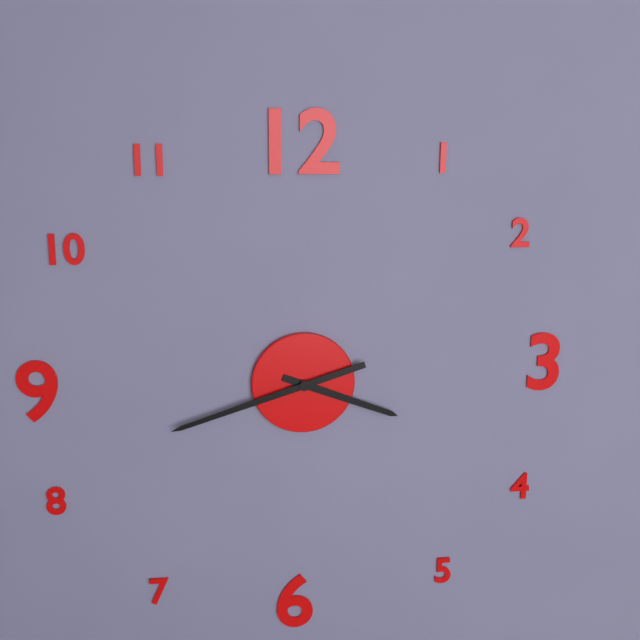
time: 3:42
